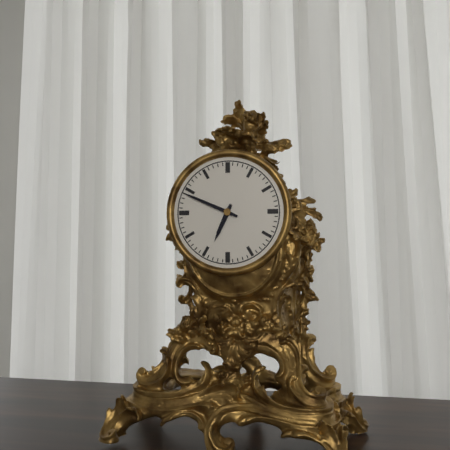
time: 6:49
